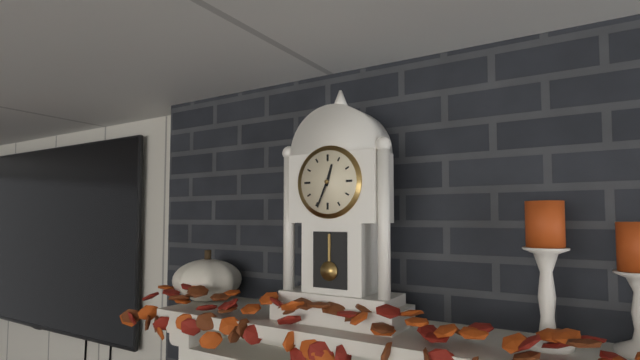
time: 12:34
